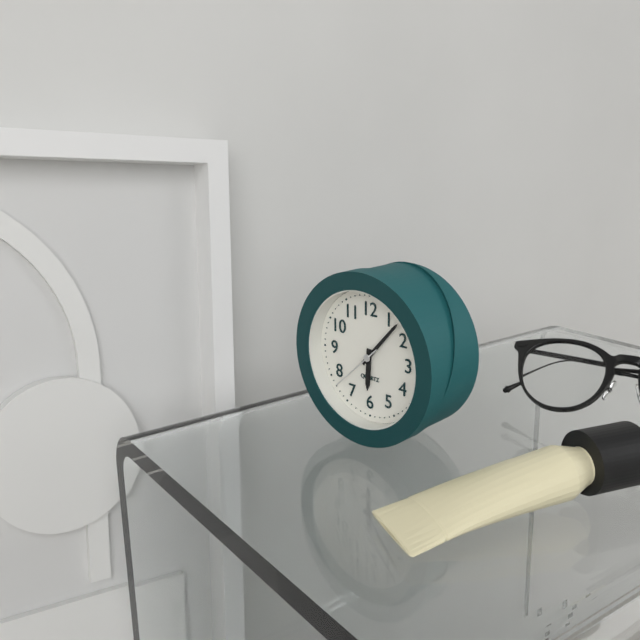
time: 6:07:38
